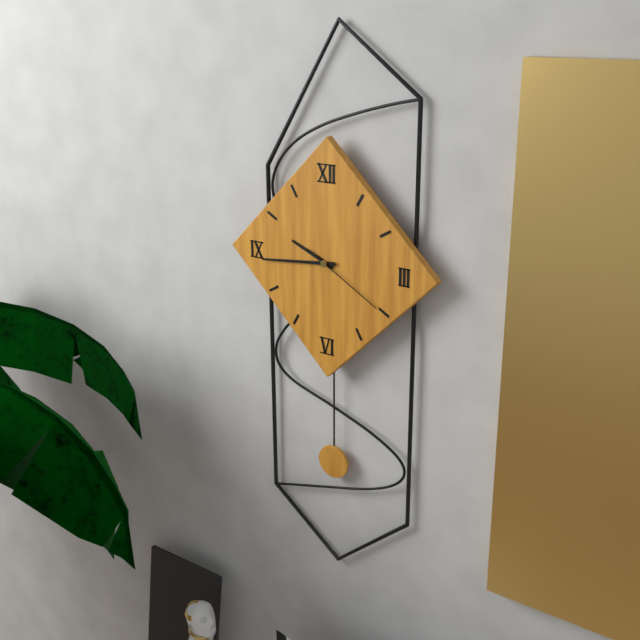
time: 9:44:20
